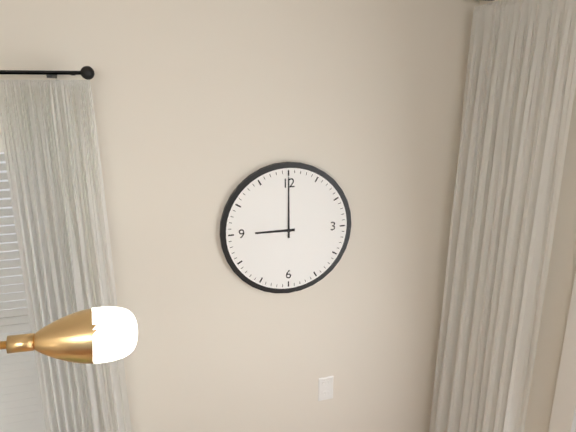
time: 9:00
